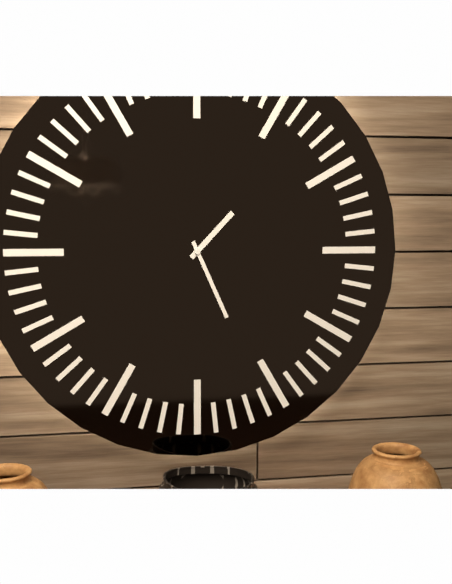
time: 1:26
